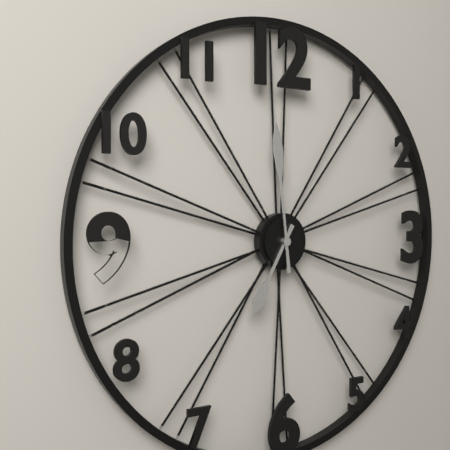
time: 6:59
